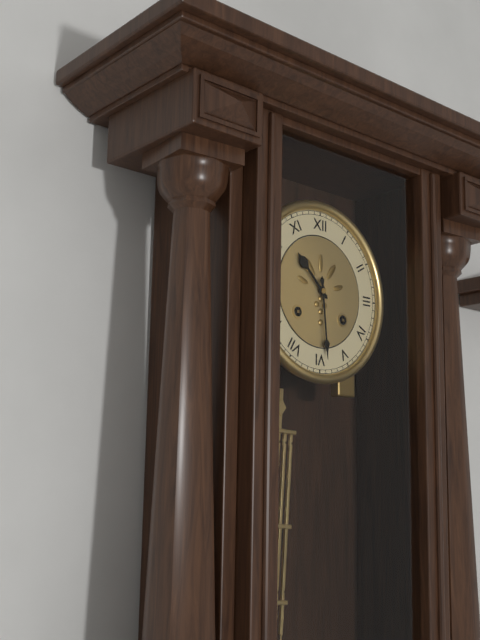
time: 10:29
